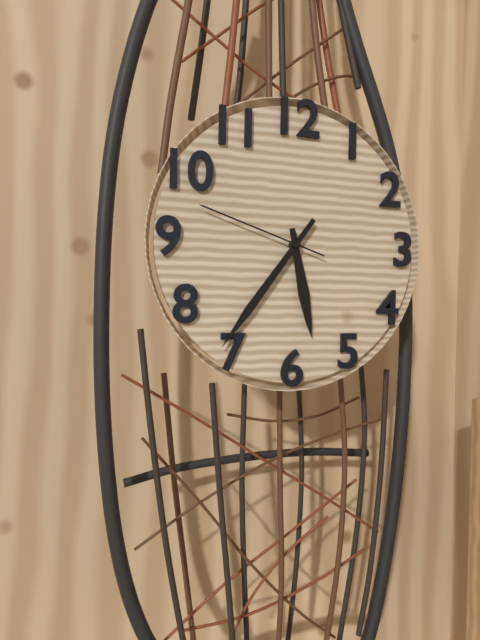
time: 5:36:48
